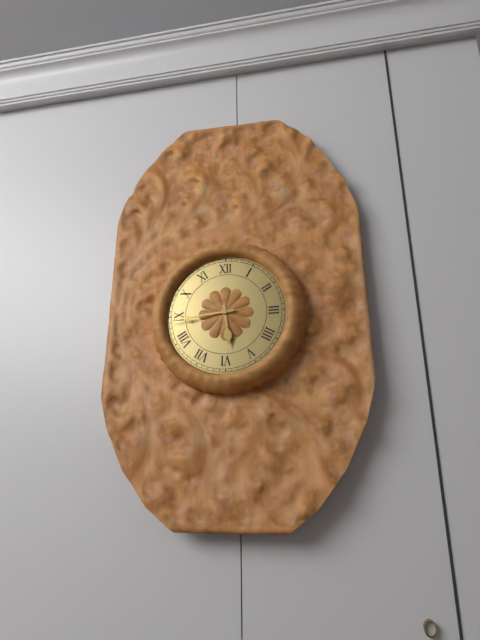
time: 5:44
